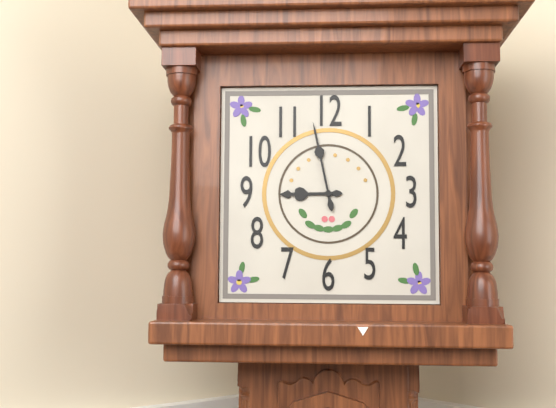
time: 8:58
